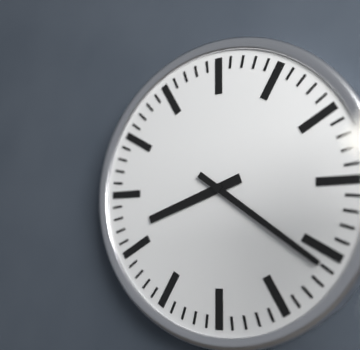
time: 8:21
